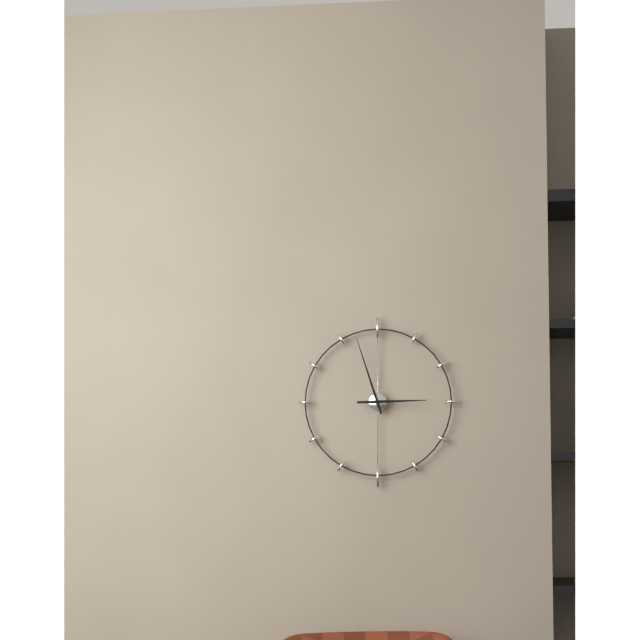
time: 2:57
